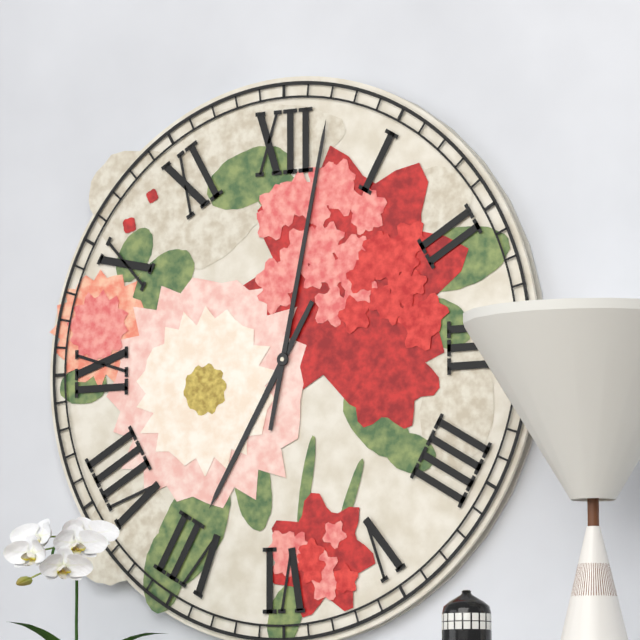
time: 7:02
